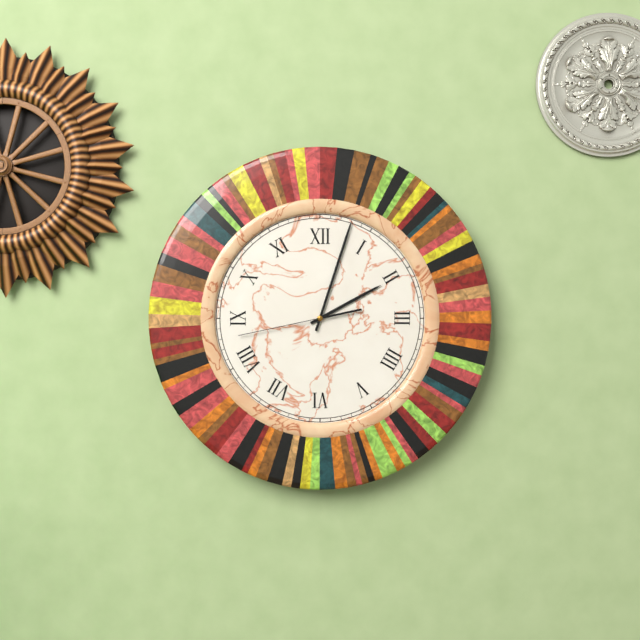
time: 2:03:43
